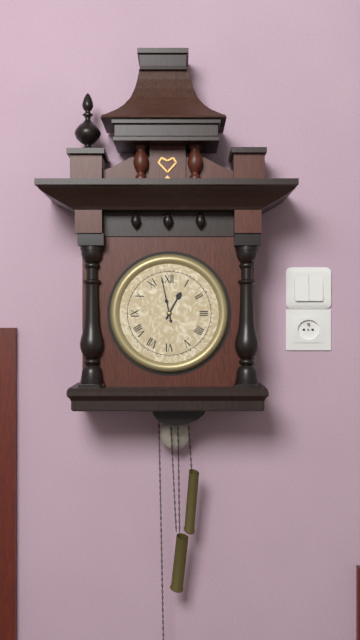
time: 12:58
